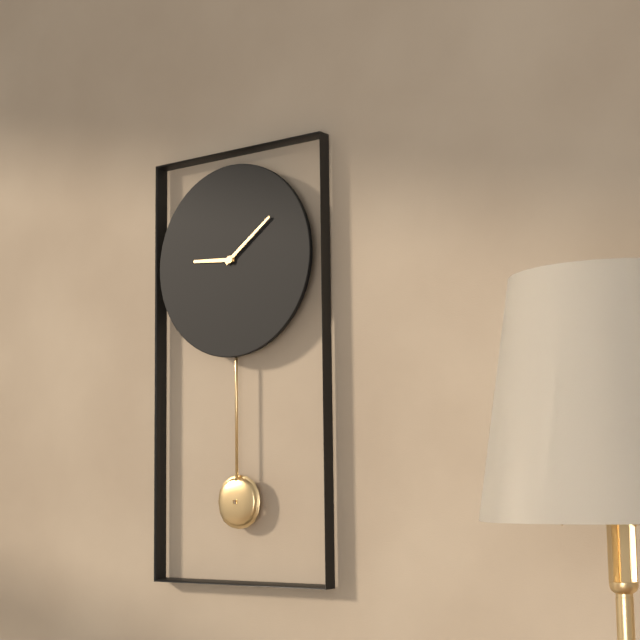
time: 9:09
